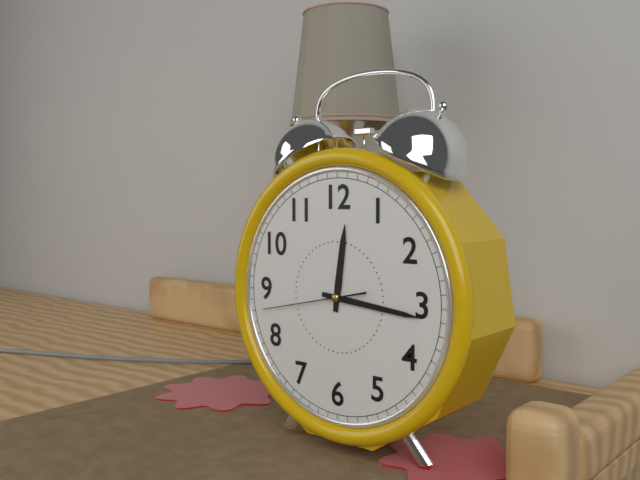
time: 12:16:43
